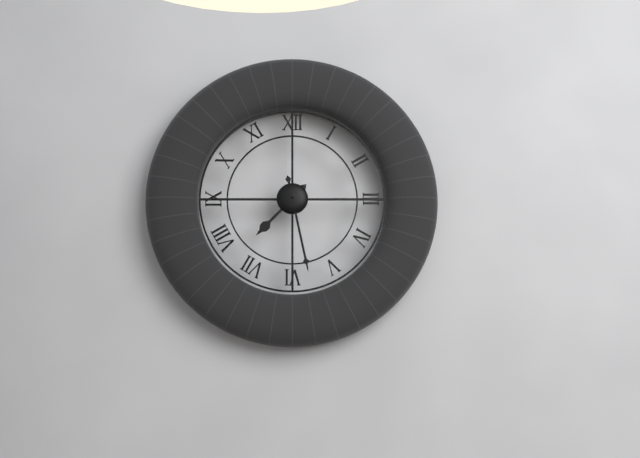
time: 7:28
